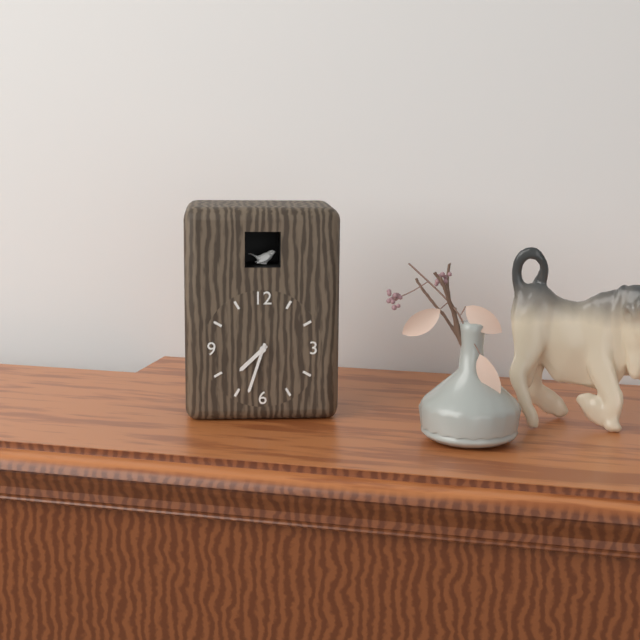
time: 7:33
